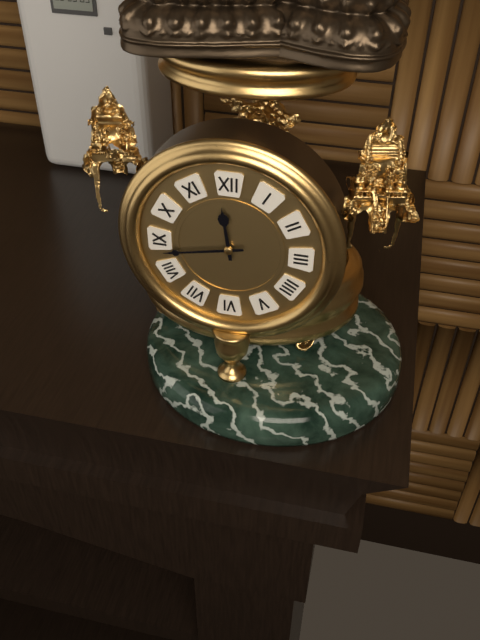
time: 11:43
